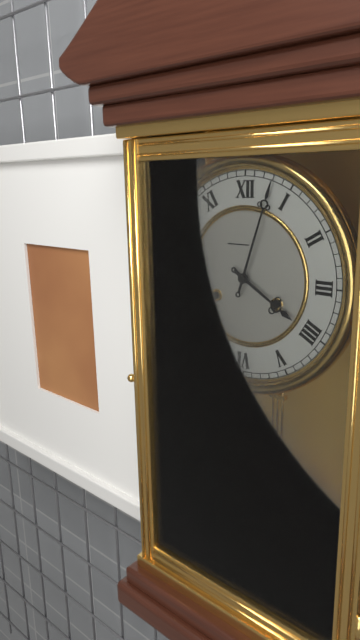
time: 4:03
